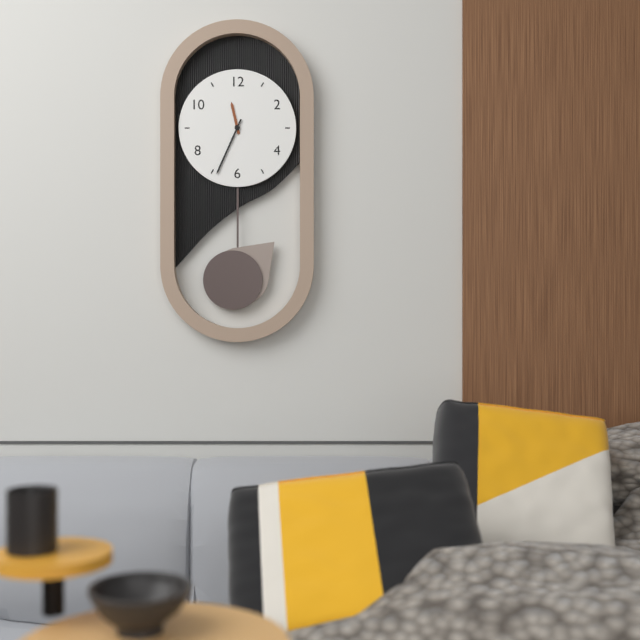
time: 11:34
